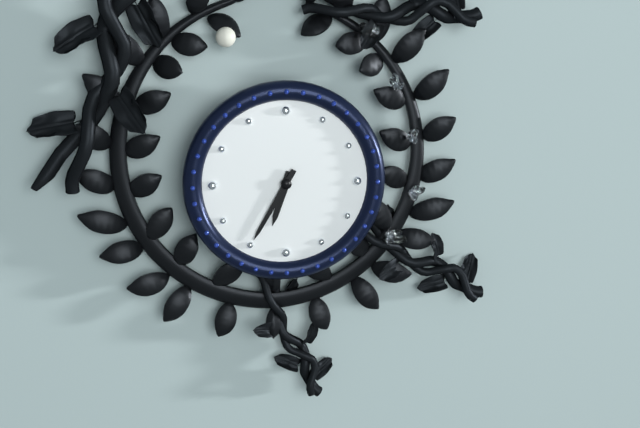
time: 6:35
